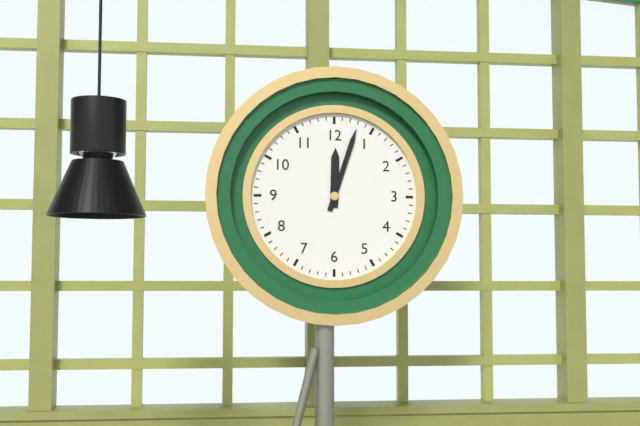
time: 12:03
